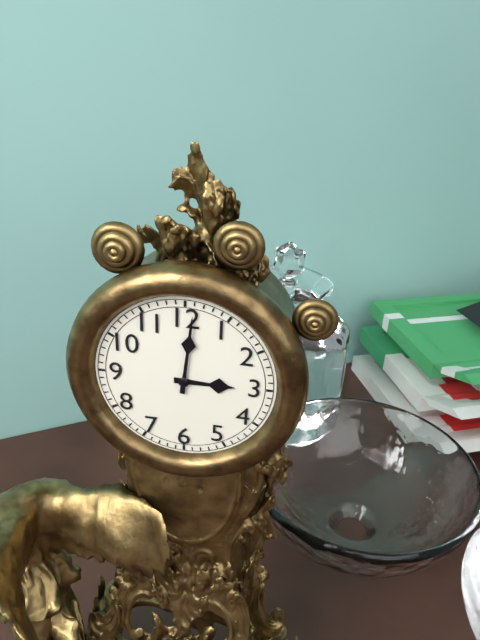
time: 3:01
